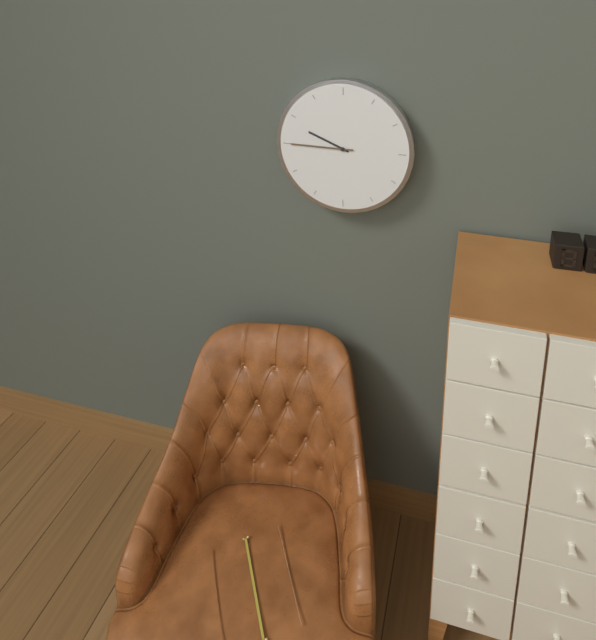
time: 9:45
